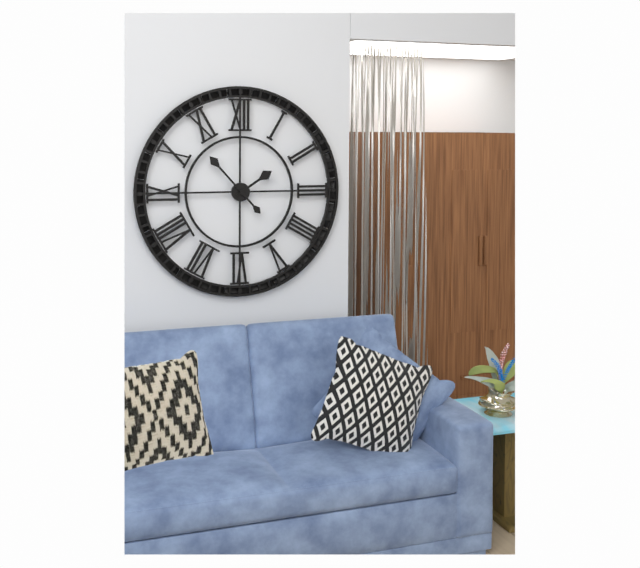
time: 1:53
